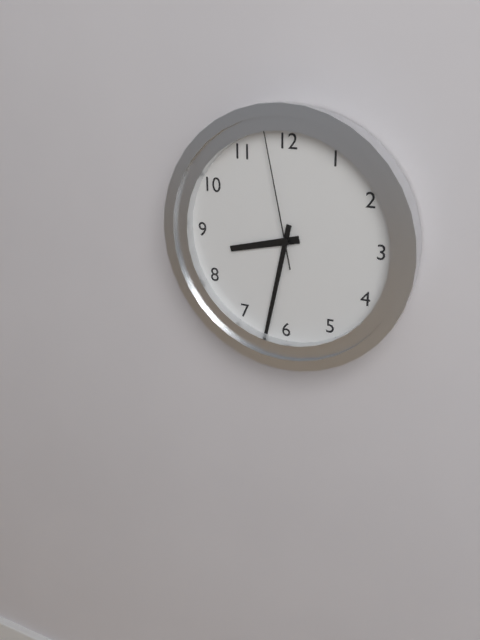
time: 8:32:58
